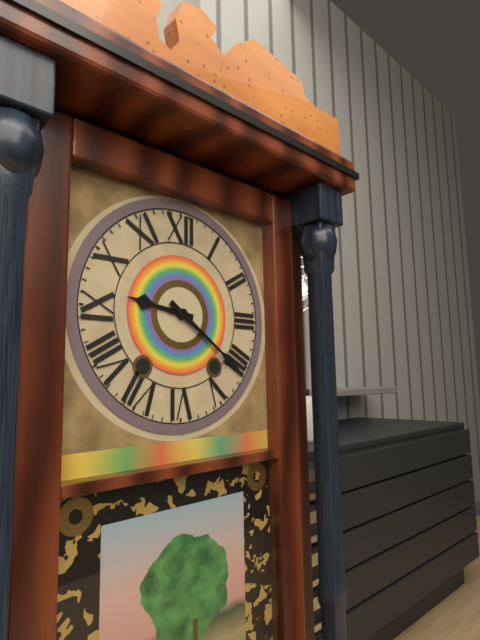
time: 9:21
